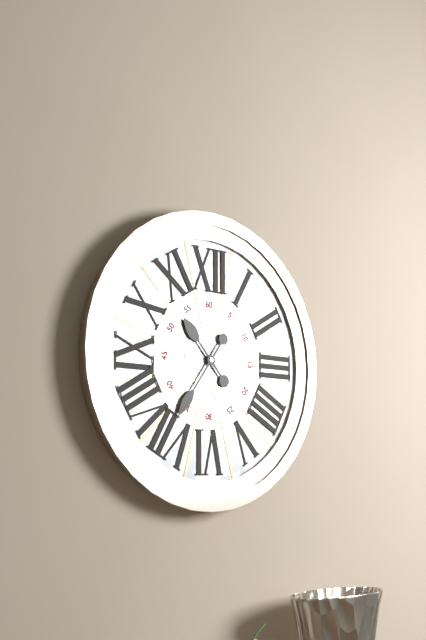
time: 10:36
